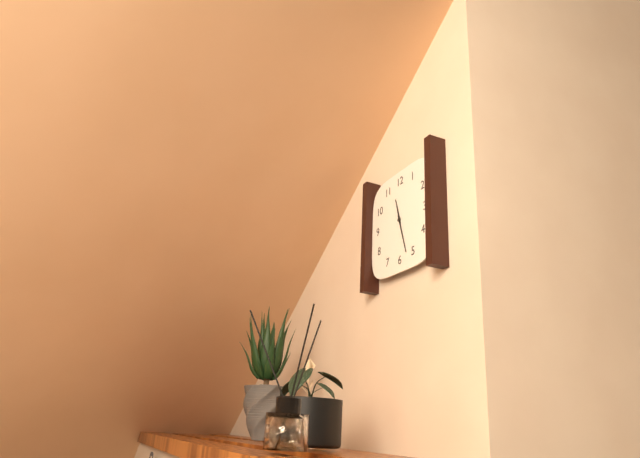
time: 11:27
